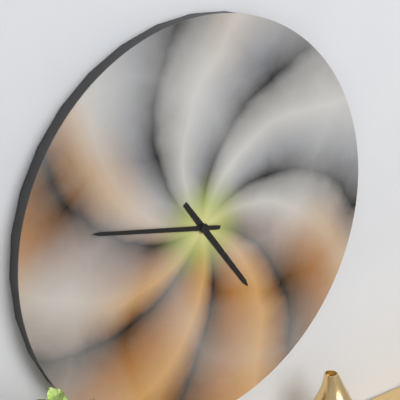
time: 4:47
